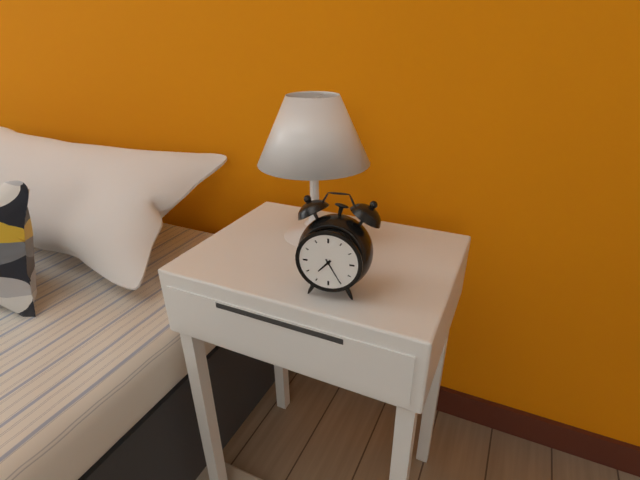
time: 7:25
